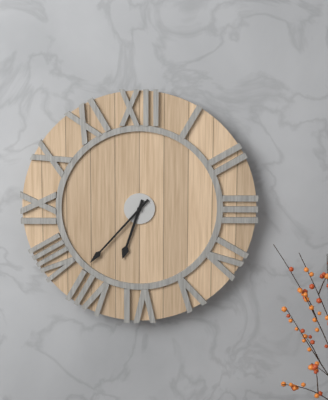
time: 6:37
